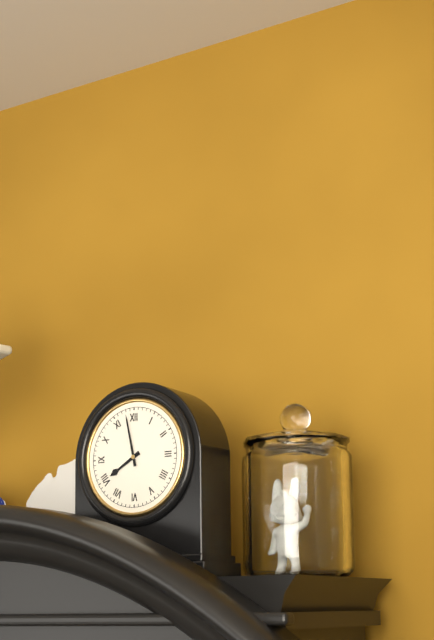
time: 7:58
